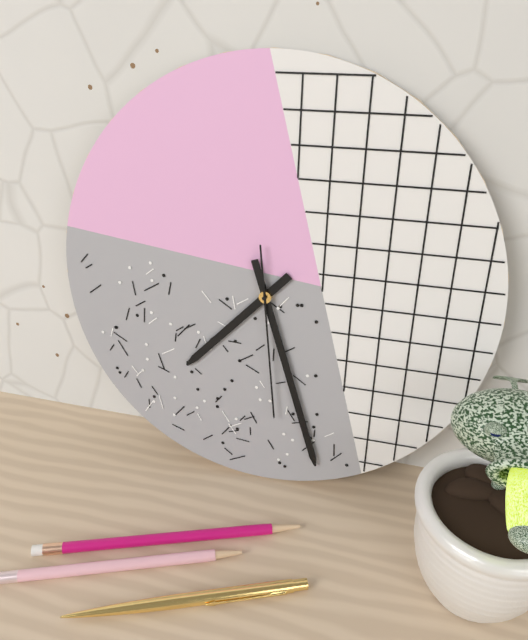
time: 7:27:29
